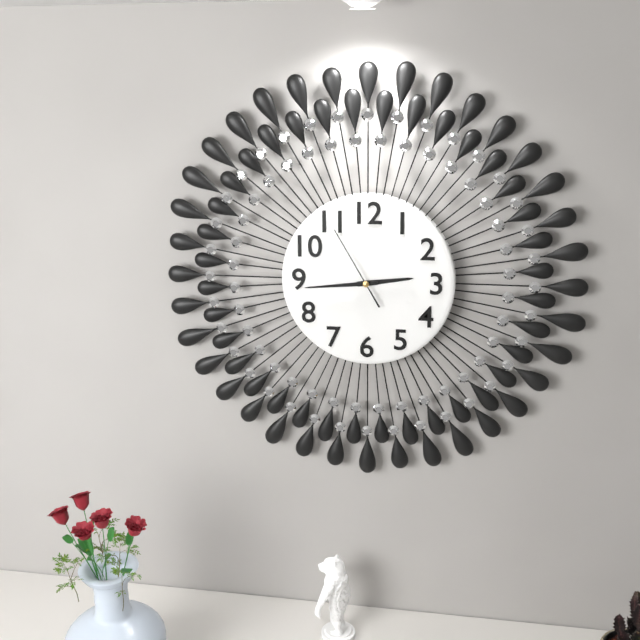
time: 2:44:55
